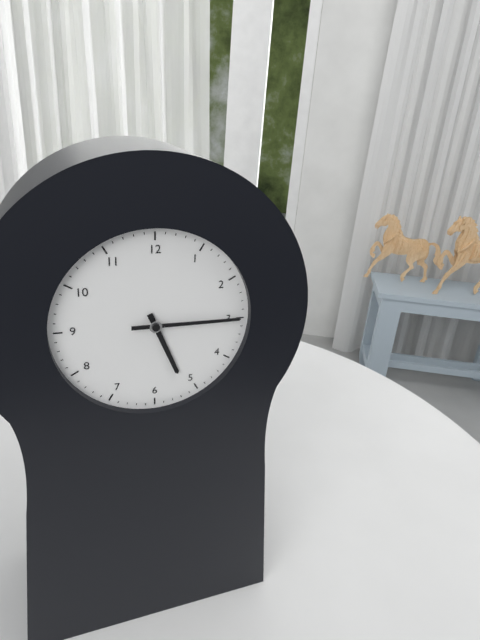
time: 5:15
